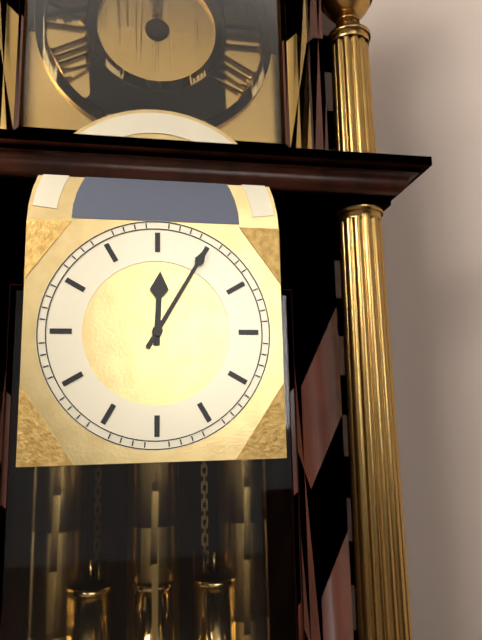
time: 12:05
